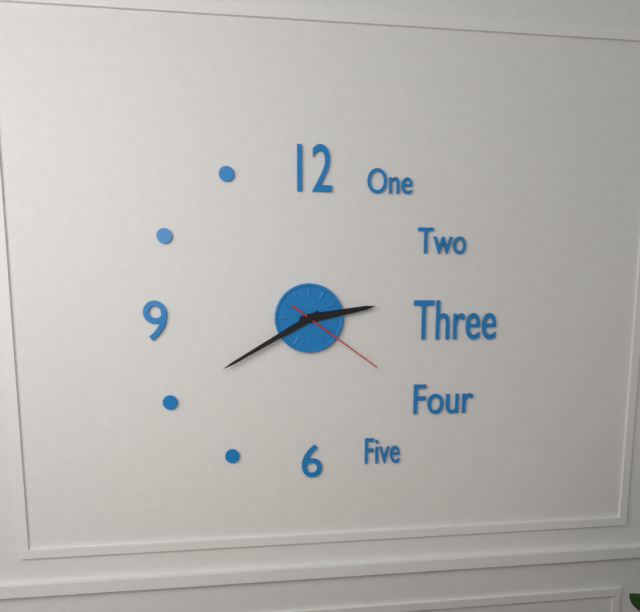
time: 2:40:21
